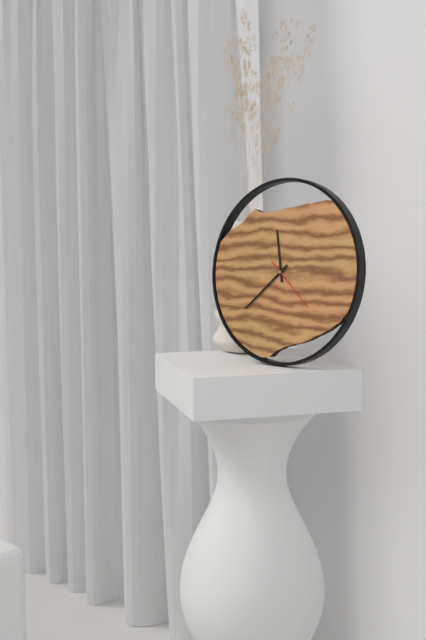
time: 11:38:22
